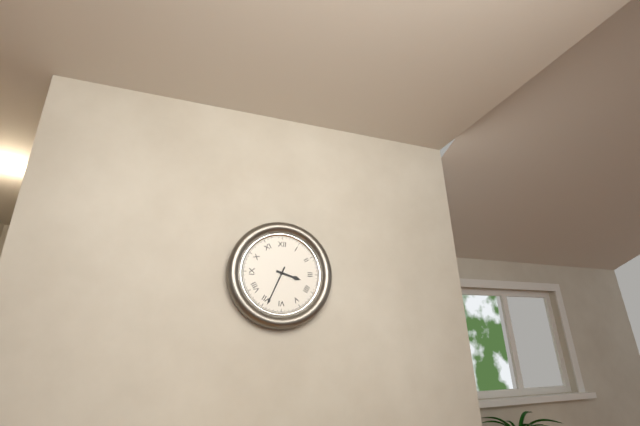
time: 3:34
